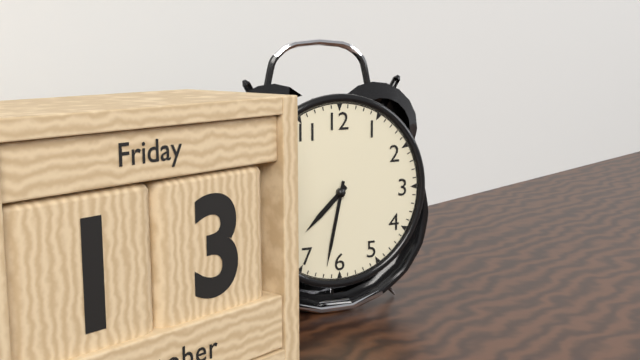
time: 7:32
